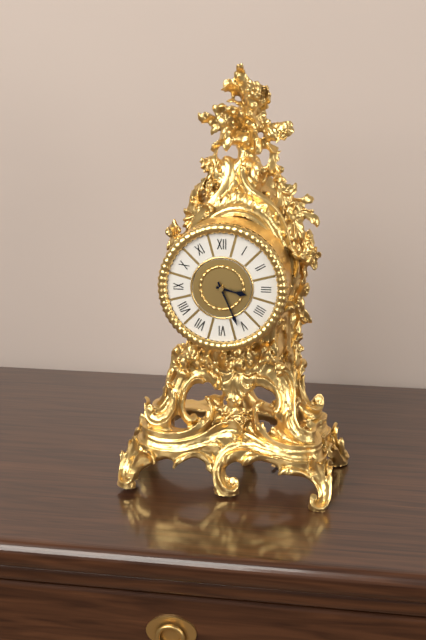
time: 3:26
